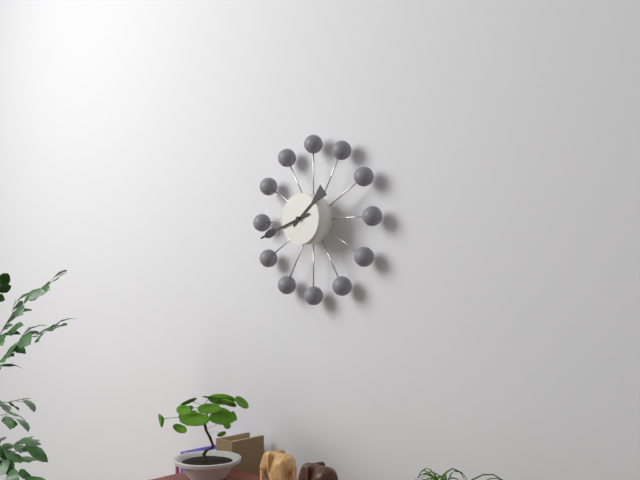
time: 1:42
